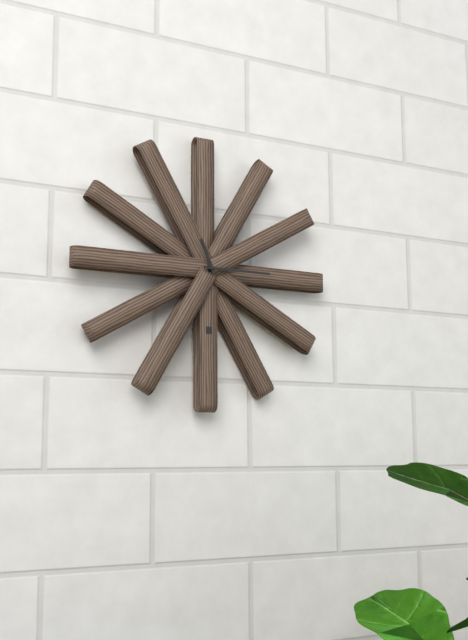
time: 11:15
